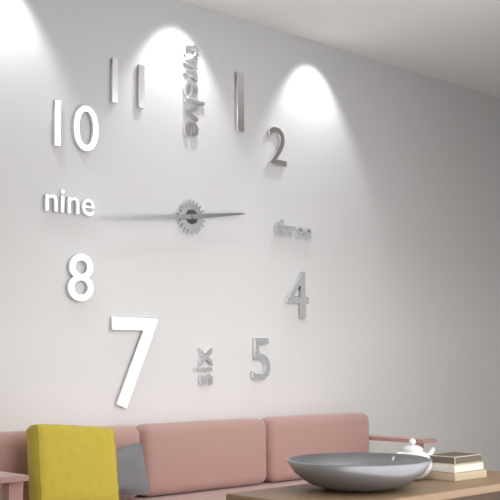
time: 2:44
